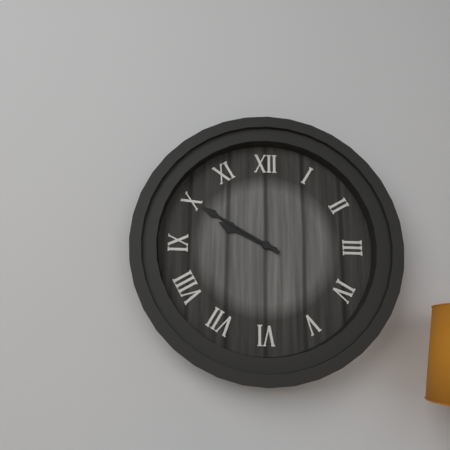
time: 9:50
